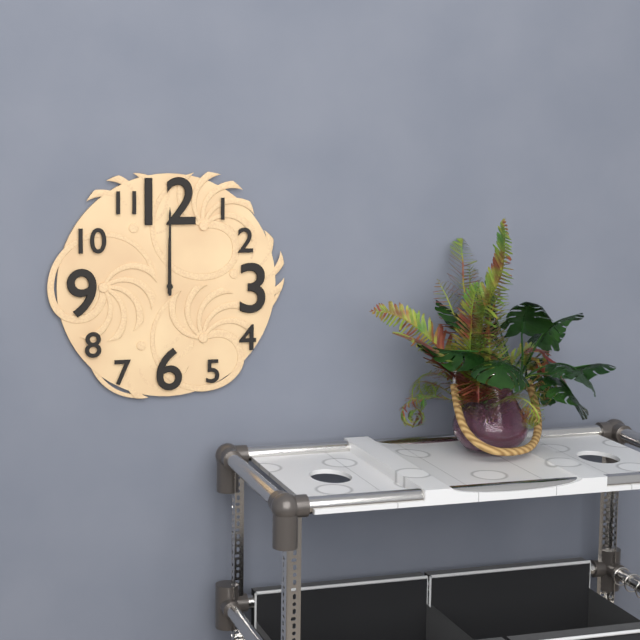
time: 12:00
